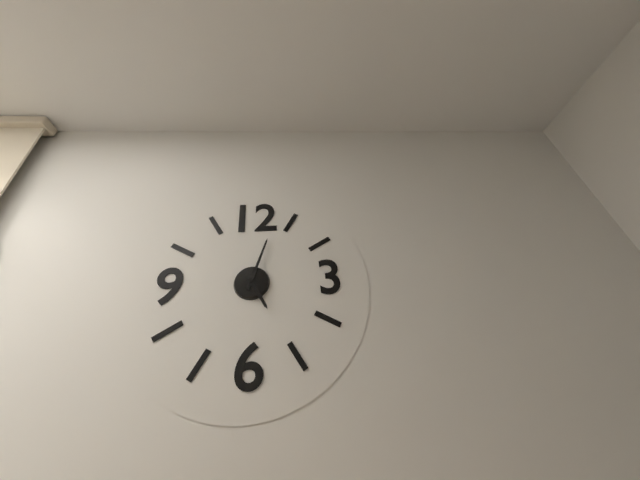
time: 5:03
